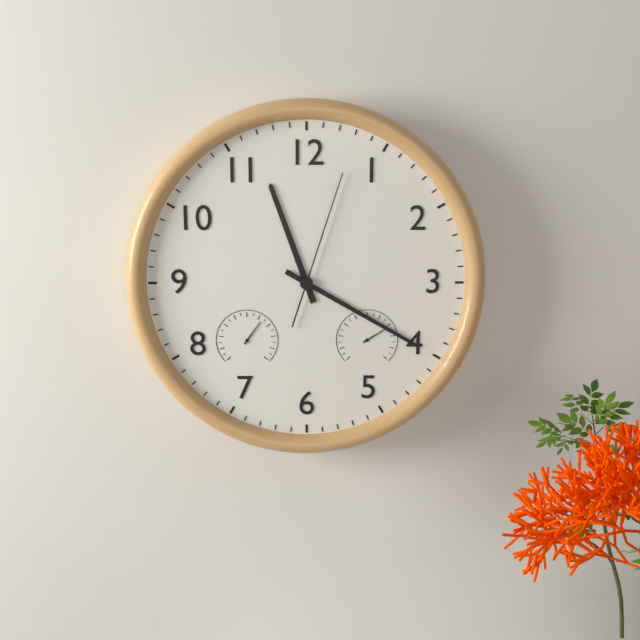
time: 11:20:03
